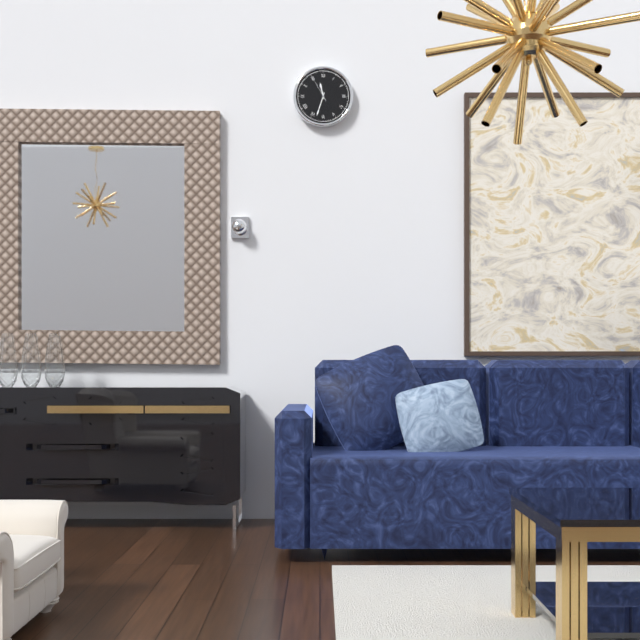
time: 11:33
